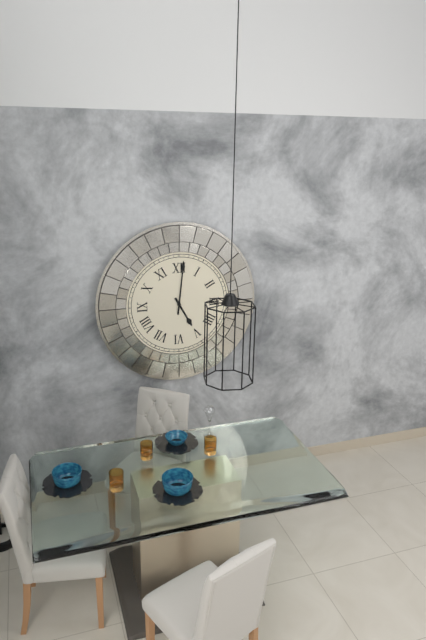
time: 5:01
